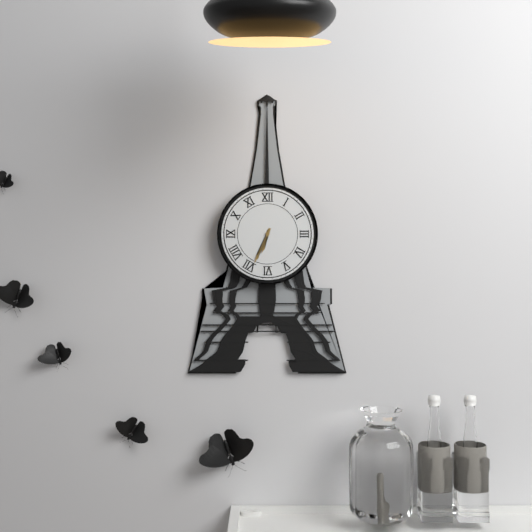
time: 6:34
